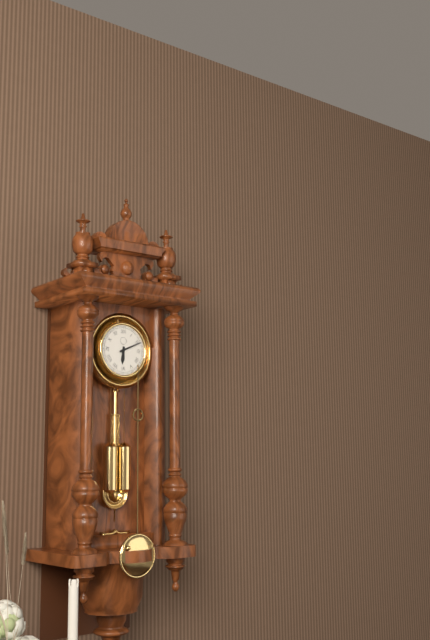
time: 6:11
